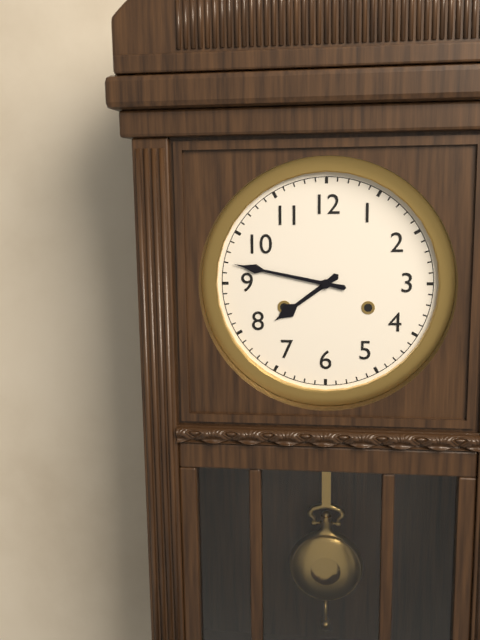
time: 7:47
